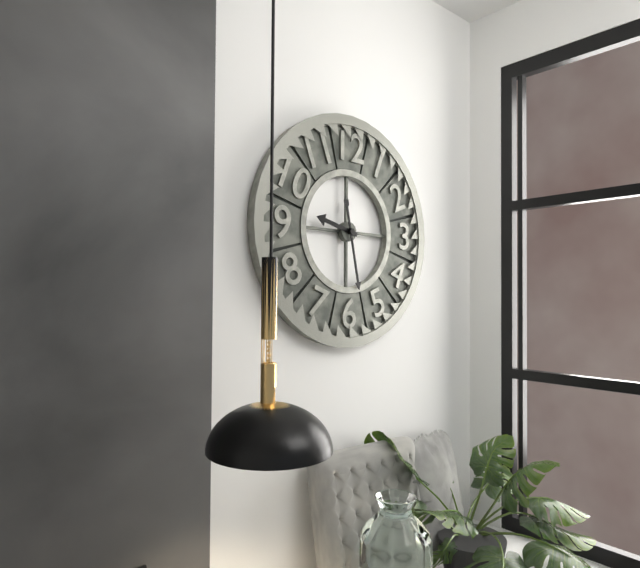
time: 9:28
